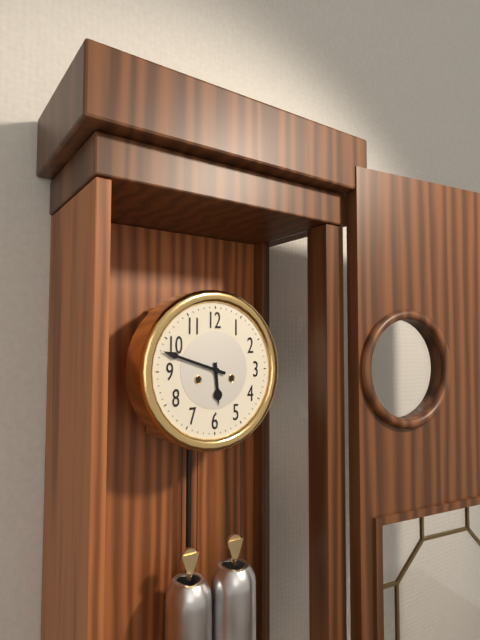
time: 5:48
